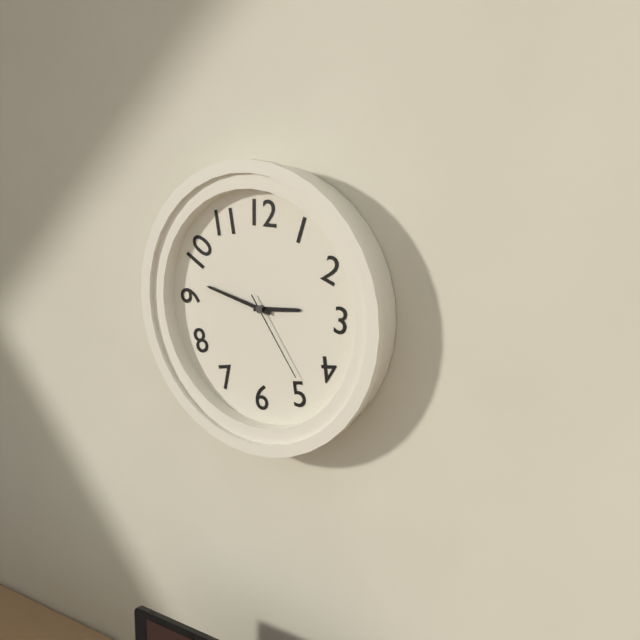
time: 2:47:24
